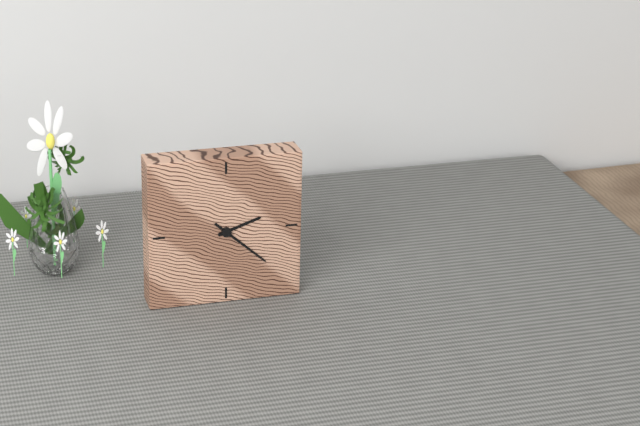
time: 2:22
